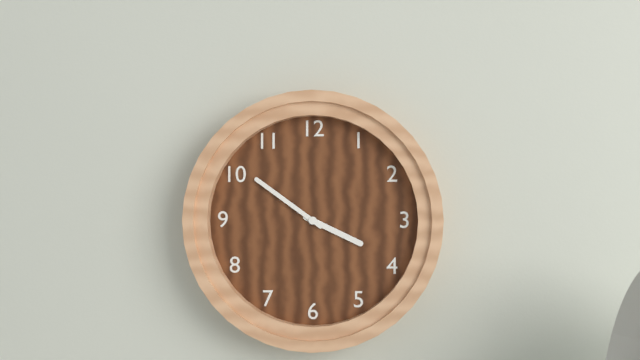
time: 3:51
